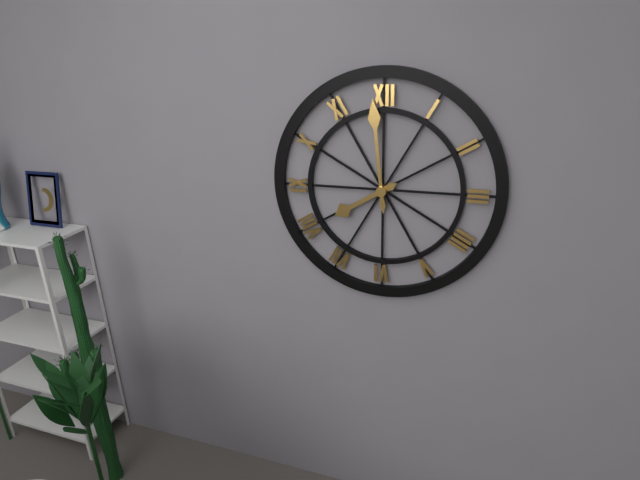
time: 7:59
